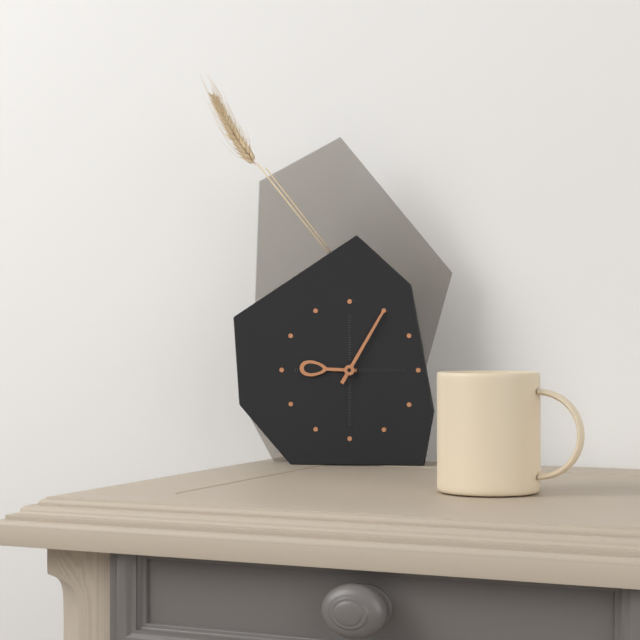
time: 9:05
